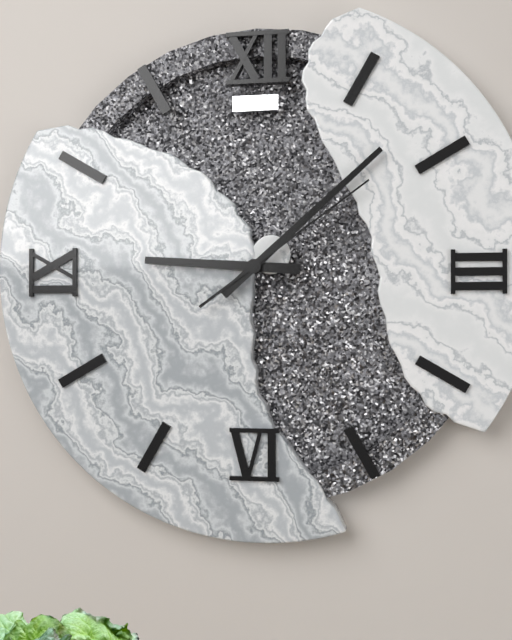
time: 9:08:09
